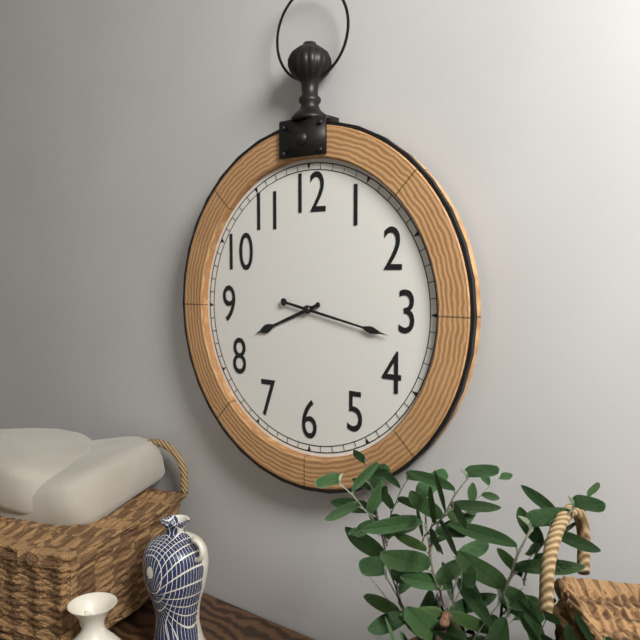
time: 8:17
